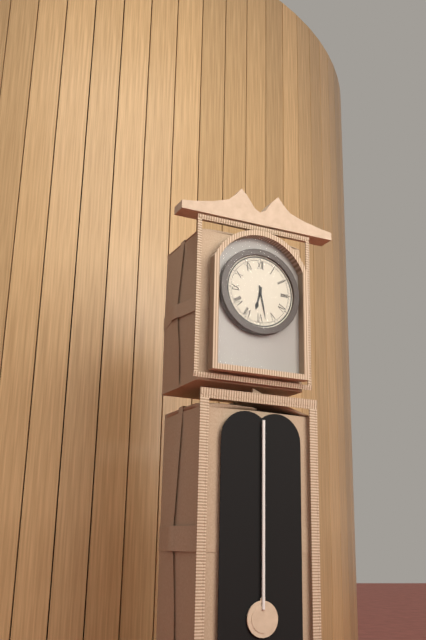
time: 6:28
